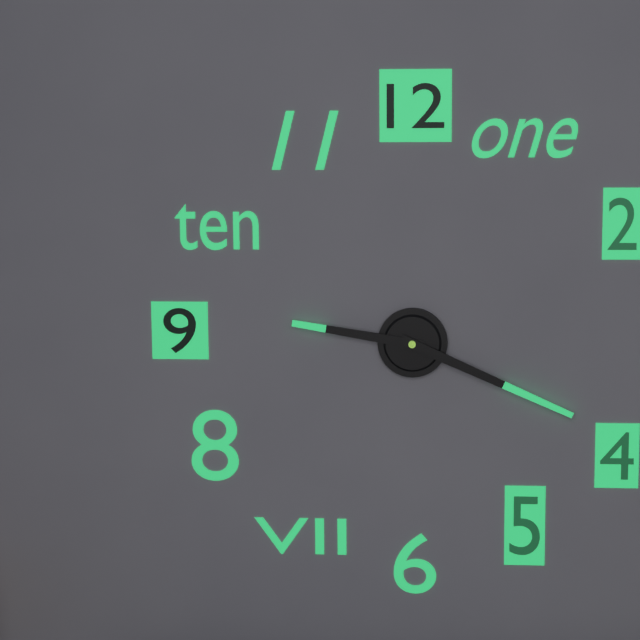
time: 9:19
